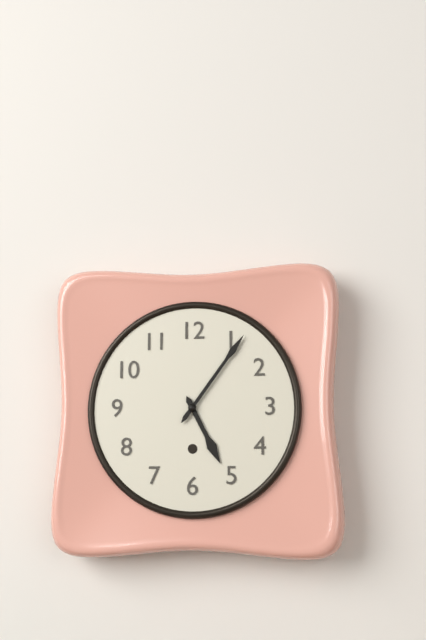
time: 5:06
